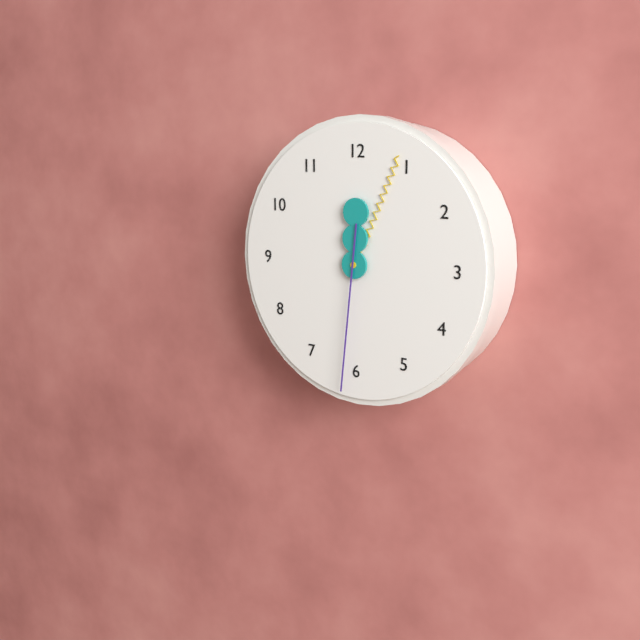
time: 12:04:31
